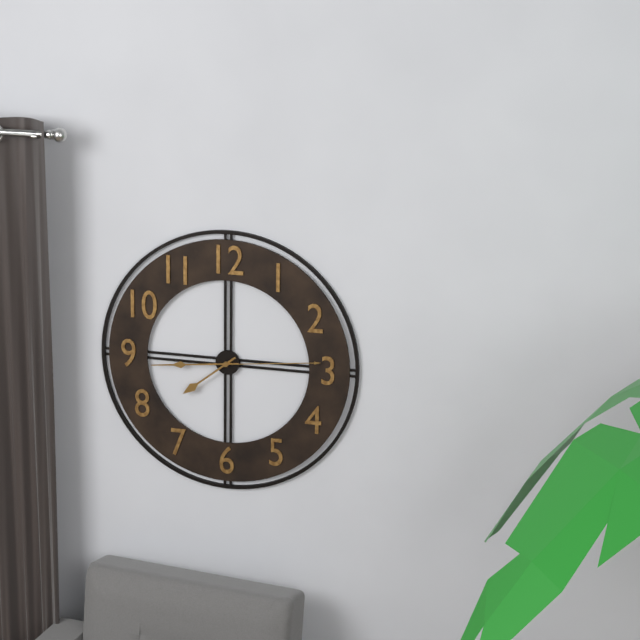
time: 7:44:14
